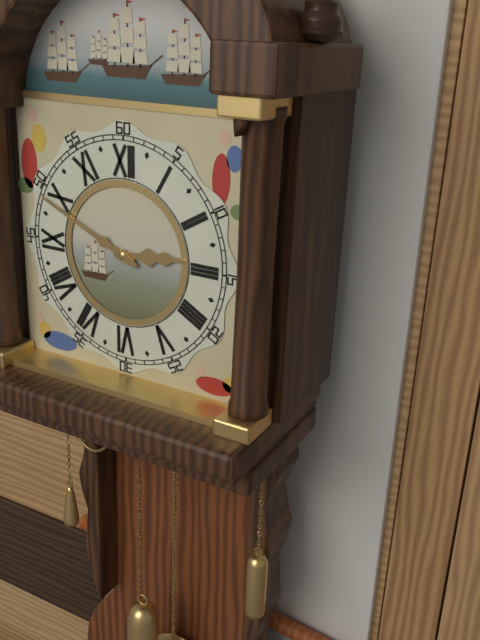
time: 2:49
